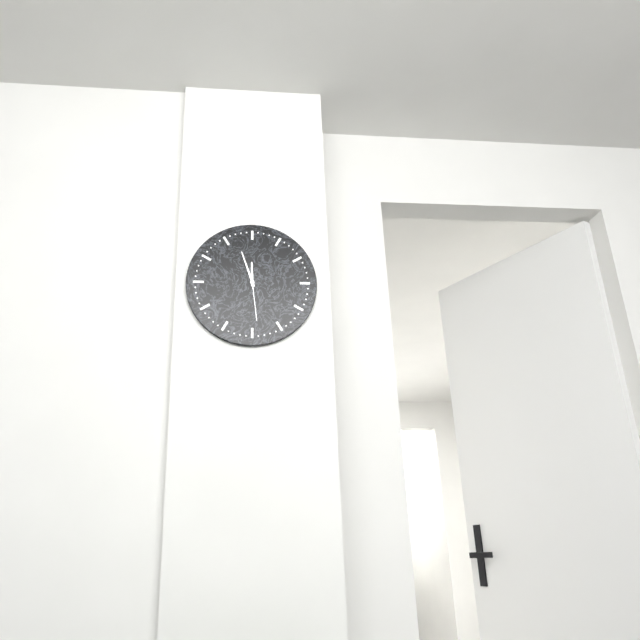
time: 11:57
